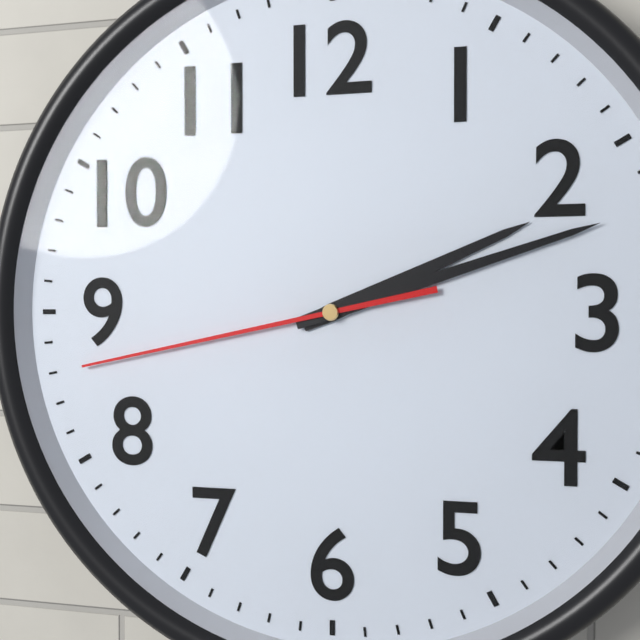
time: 2:12:43
